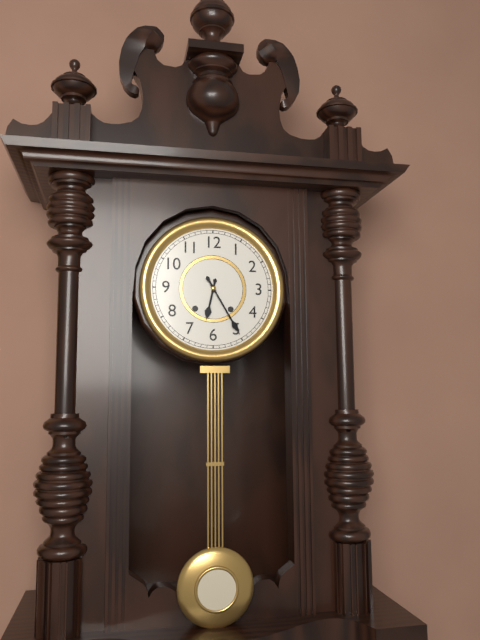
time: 6:25
